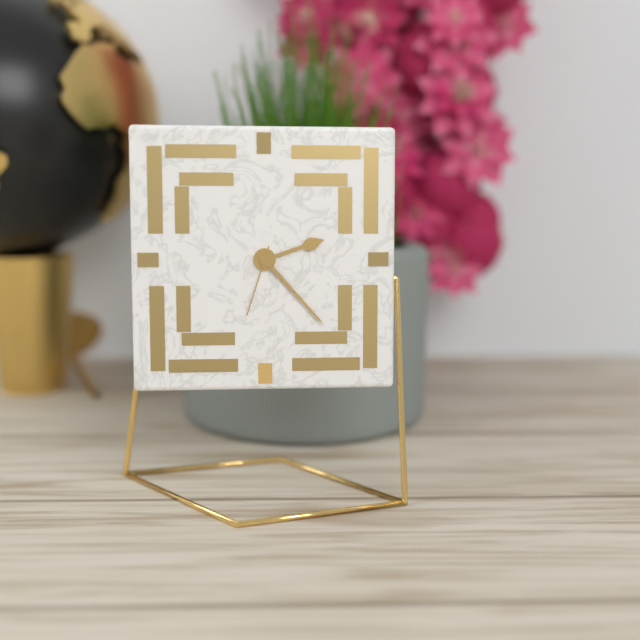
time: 2:23:33
